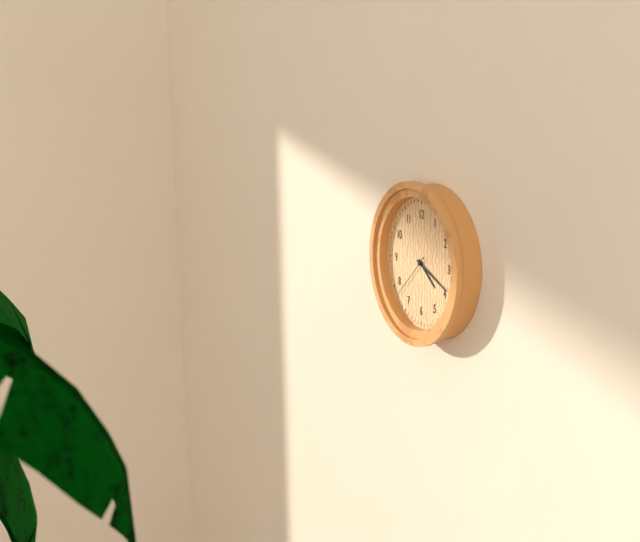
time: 4:19
